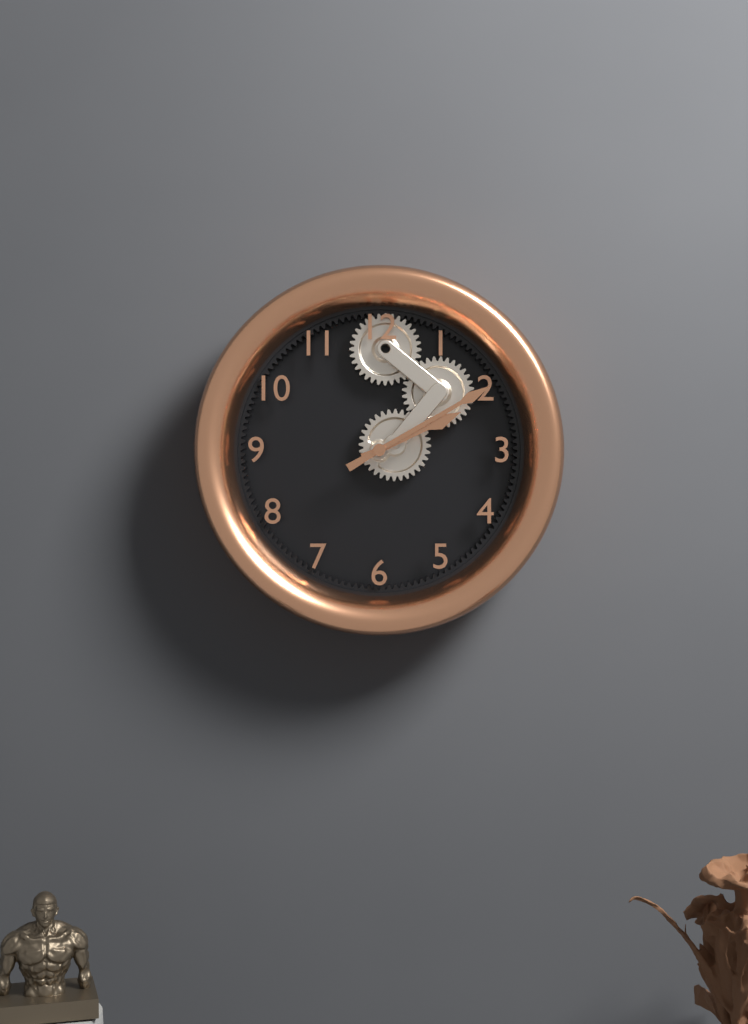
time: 2:10
